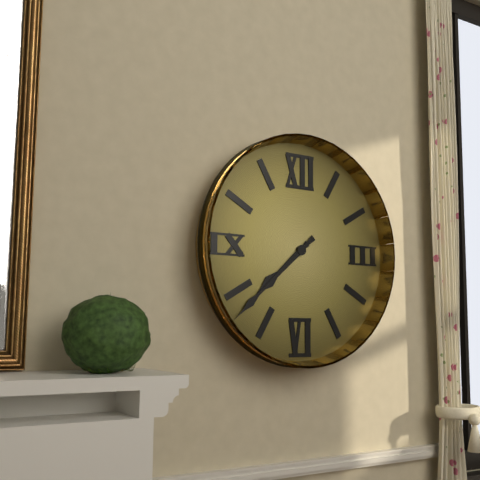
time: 7:38
